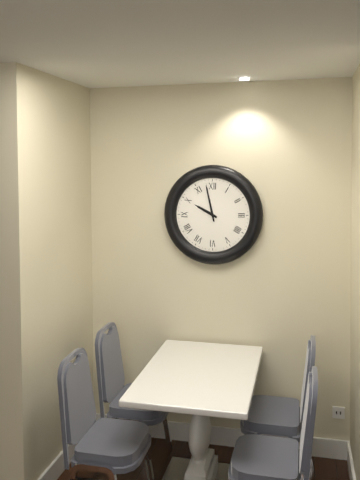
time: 9:58
